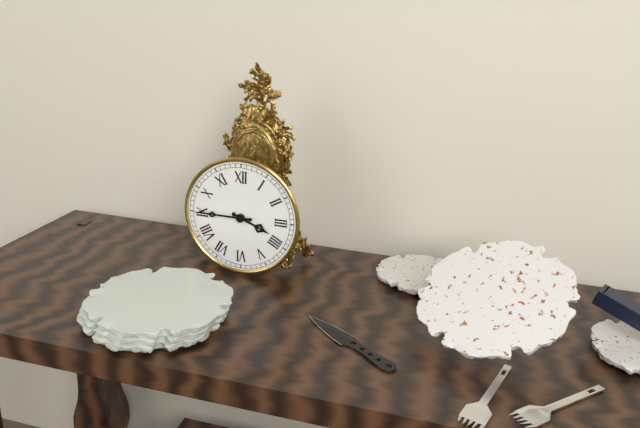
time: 3:45
